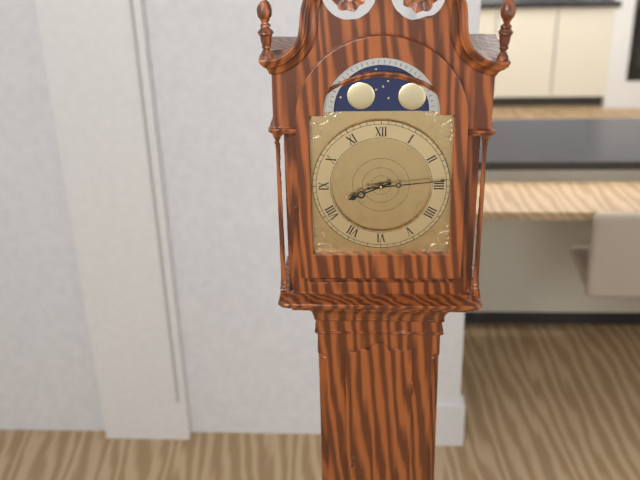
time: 8:14
